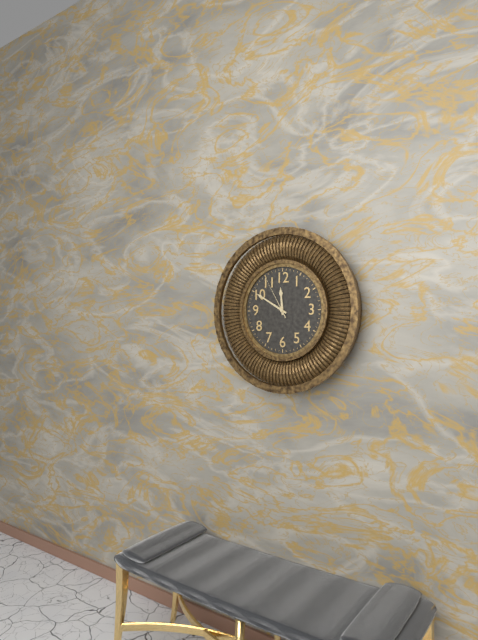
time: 11:50
